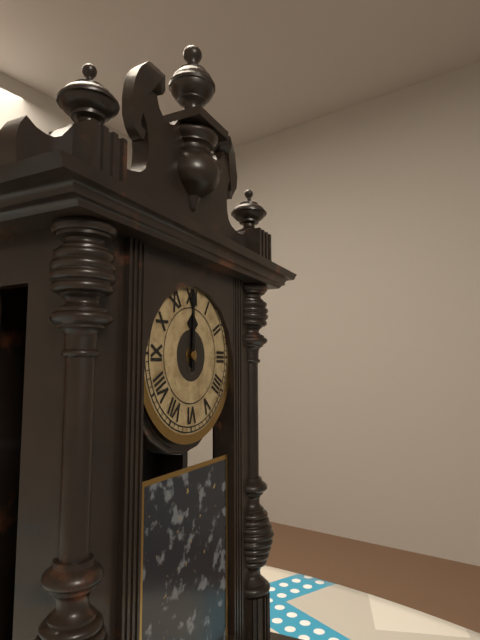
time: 12:00
